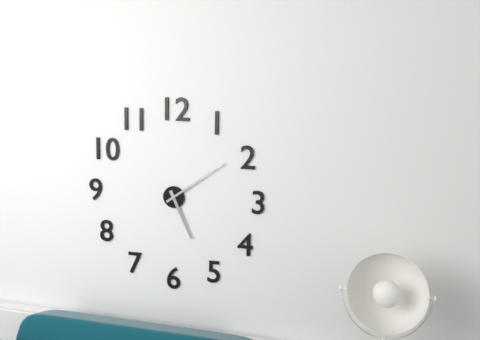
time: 5:09
